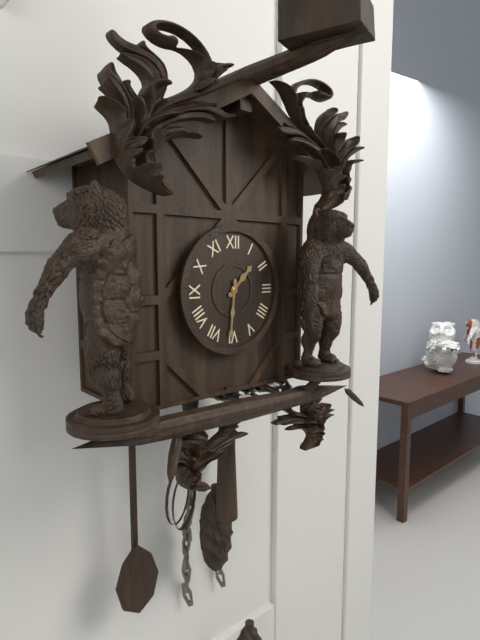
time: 1:31
